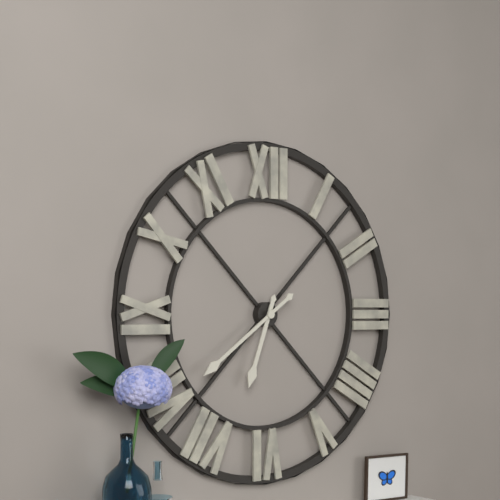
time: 6:39
